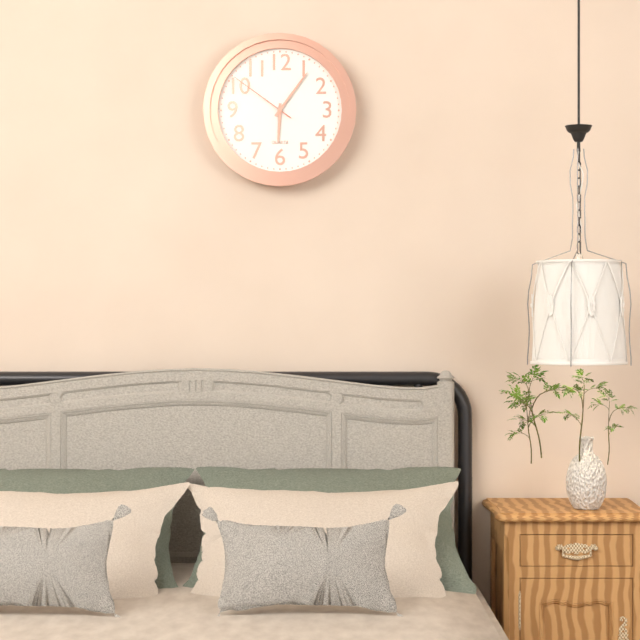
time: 6:06:51
